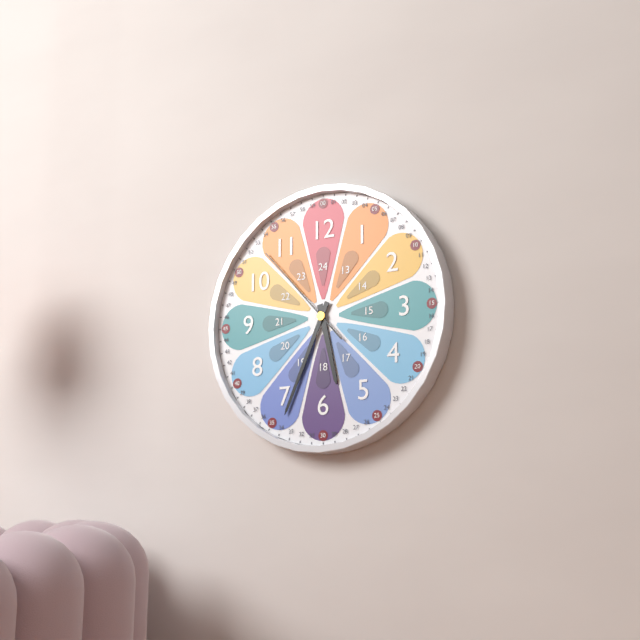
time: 5:34:53
